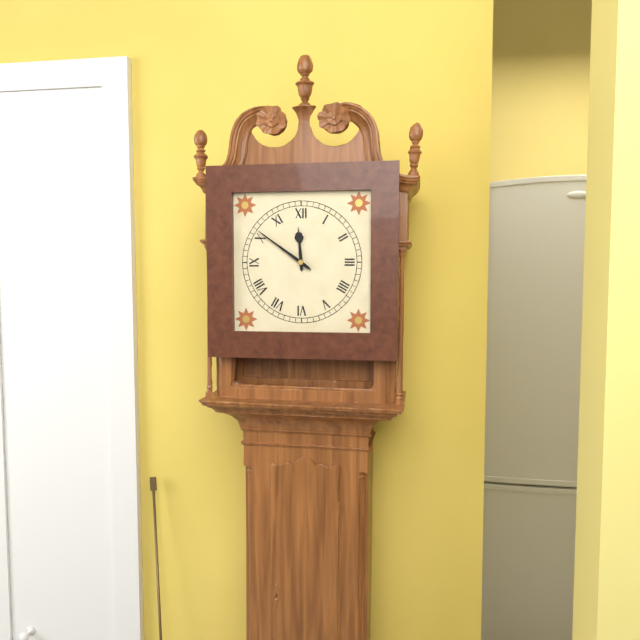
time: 11:51
